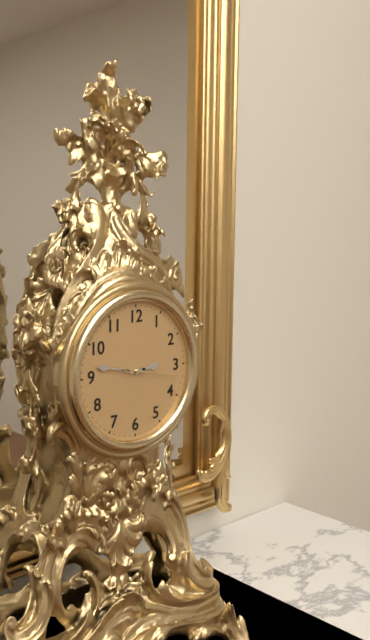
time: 2:47:17
